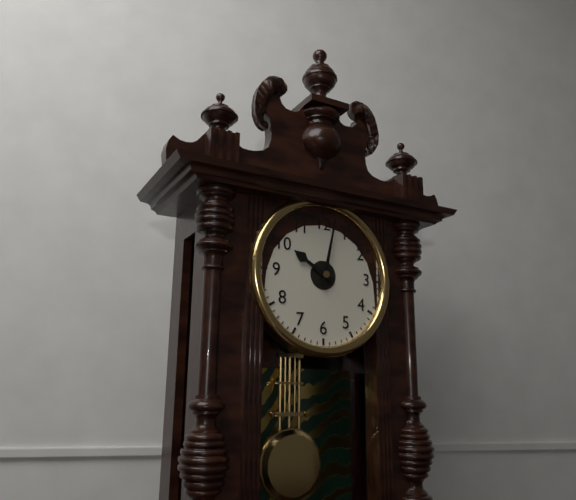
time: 10:02
